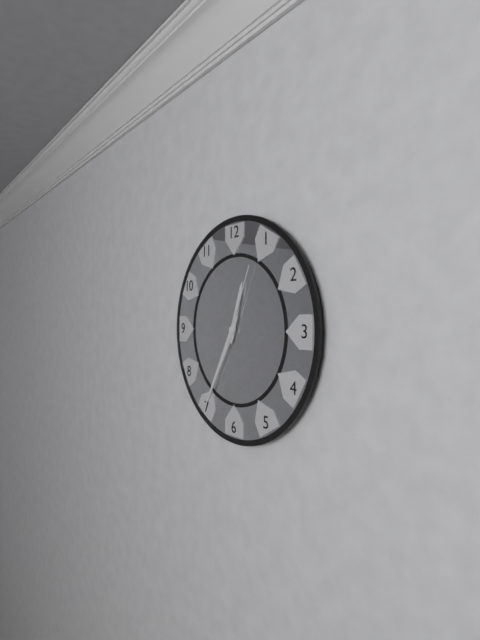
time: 12:35:04
